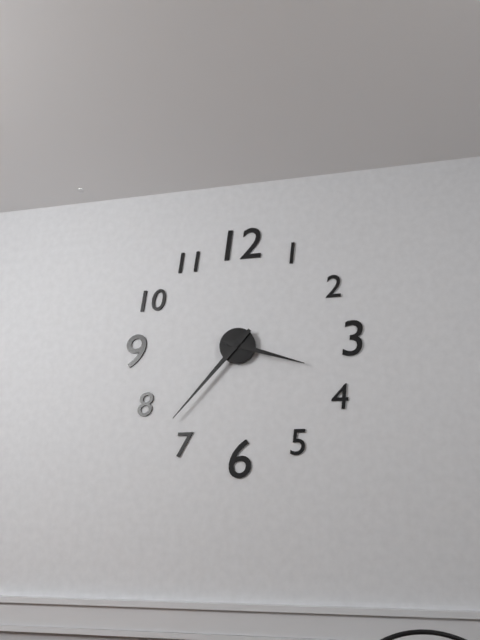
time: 3:37
